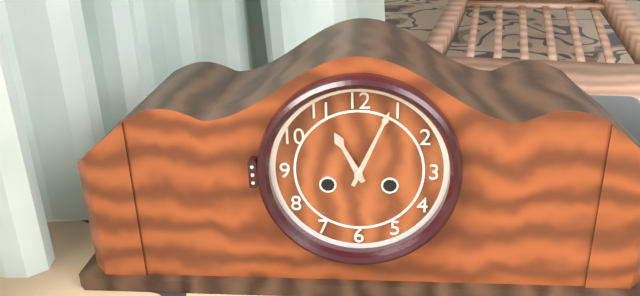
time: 11:04
